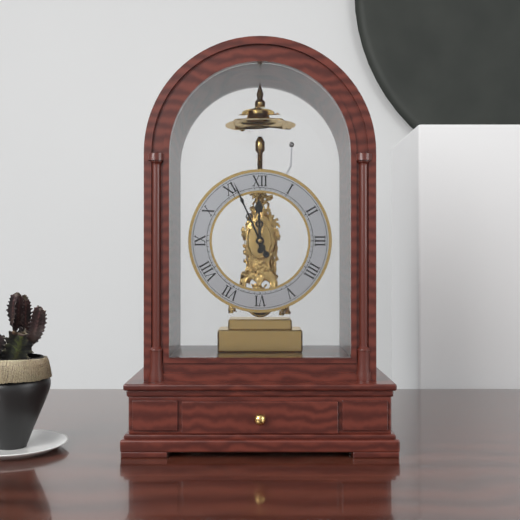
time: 11:56
